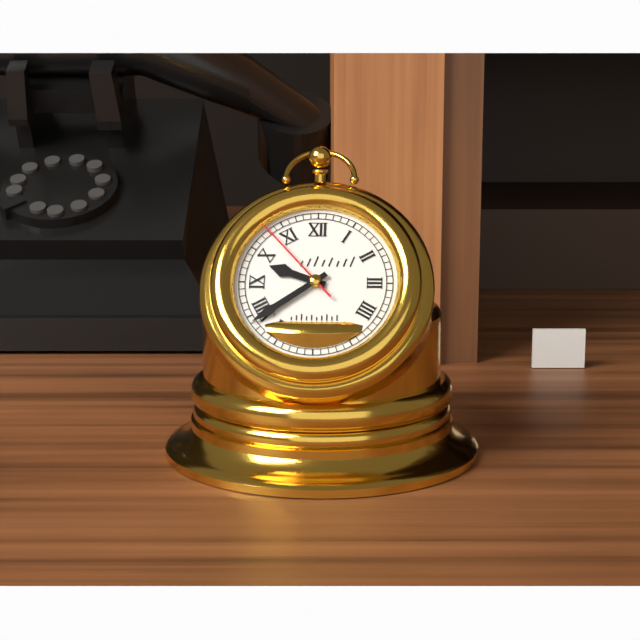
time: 9:39:53
